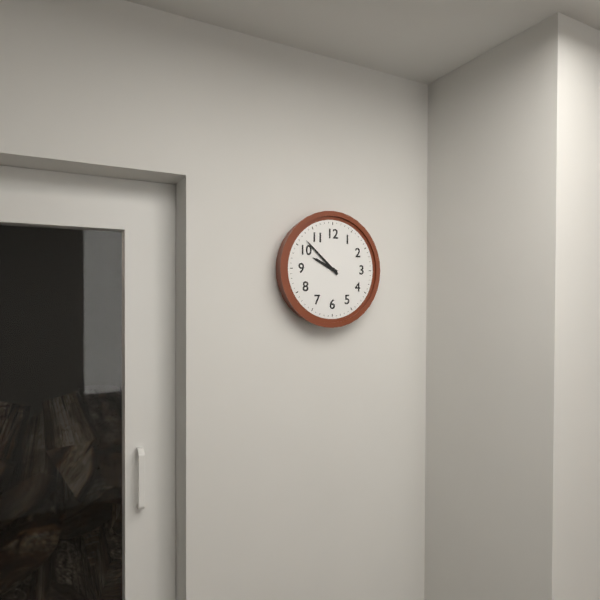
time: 9:52
